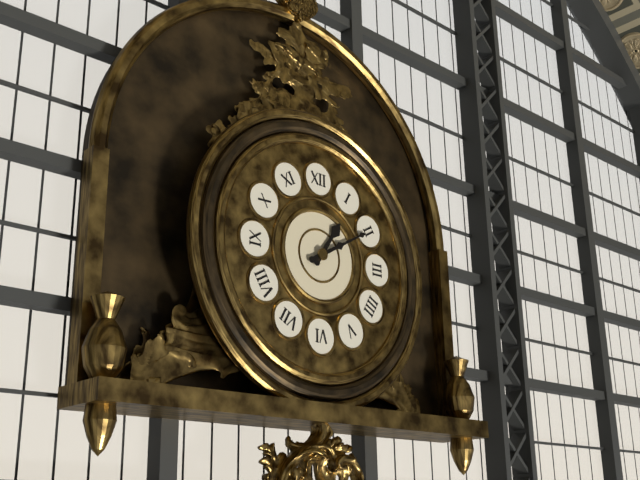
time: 1:10
